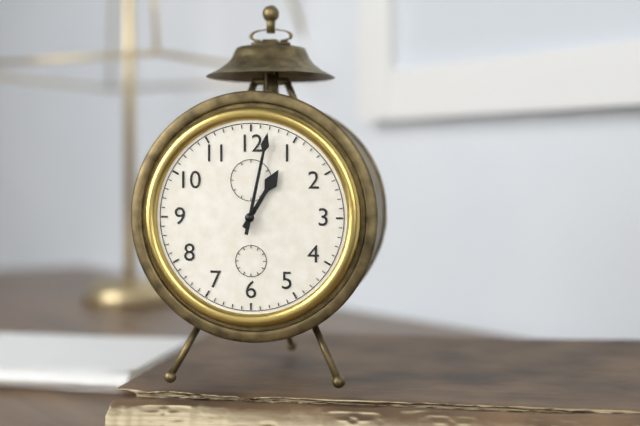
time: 1:02
